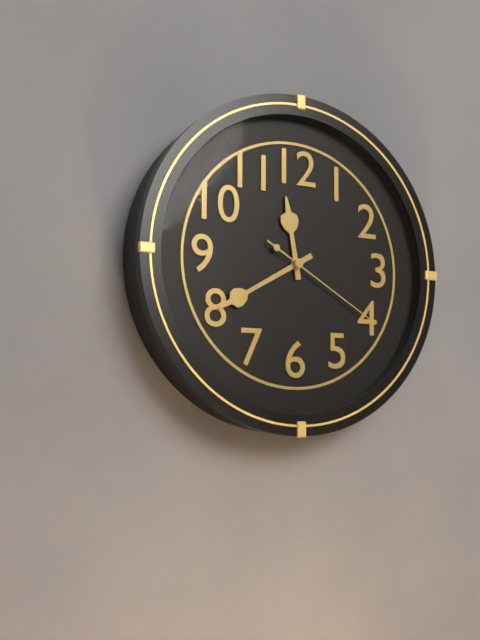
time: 11:40:20
